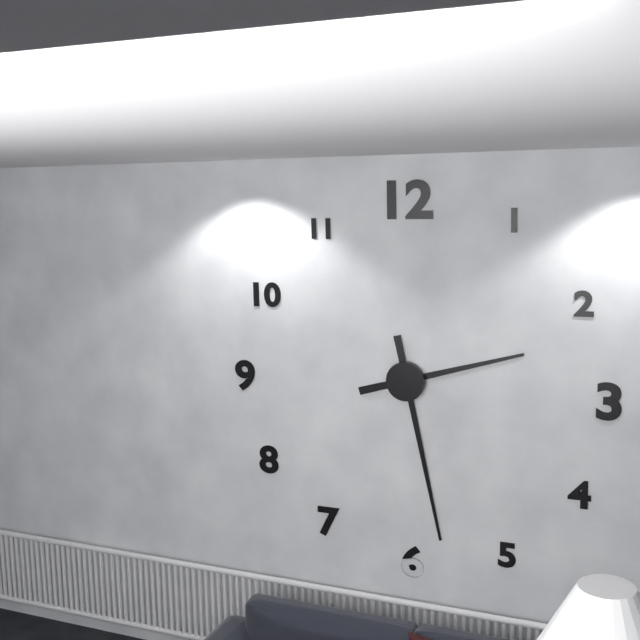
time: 2:28
